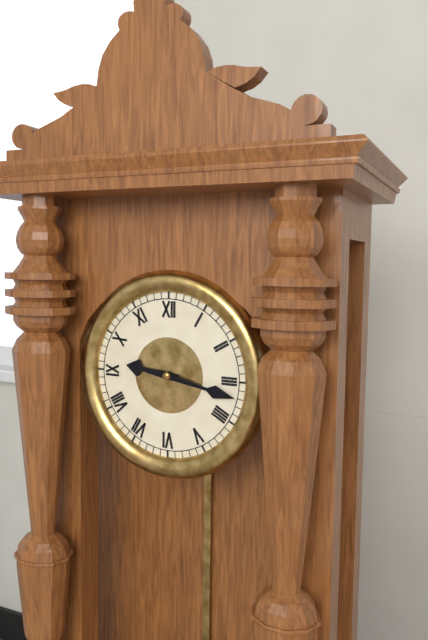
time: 9:17
